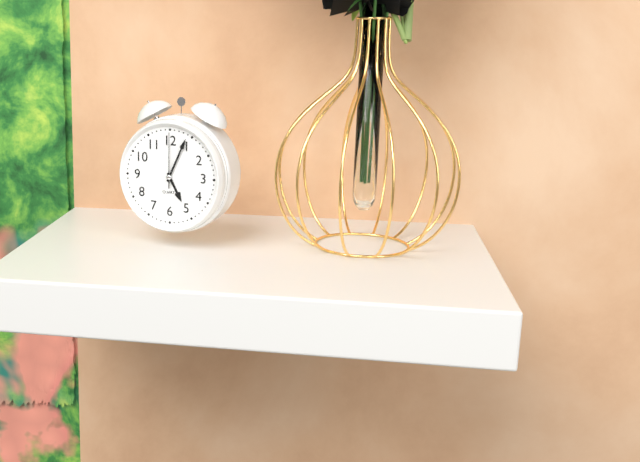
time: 5:04:00
